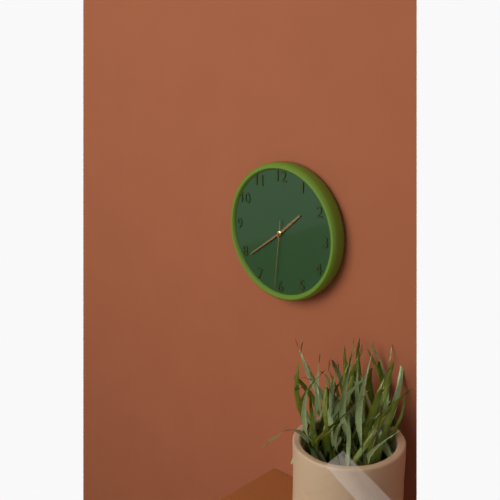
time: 1:39:31
